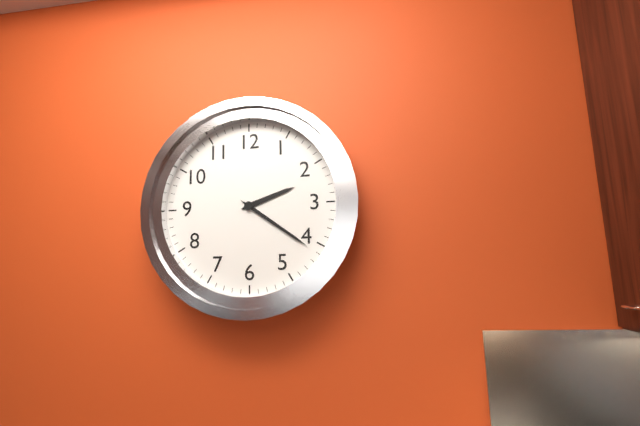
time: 2:21
